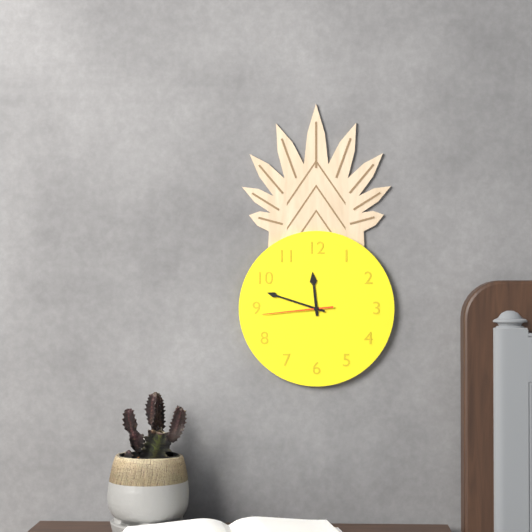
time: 11:48:44
